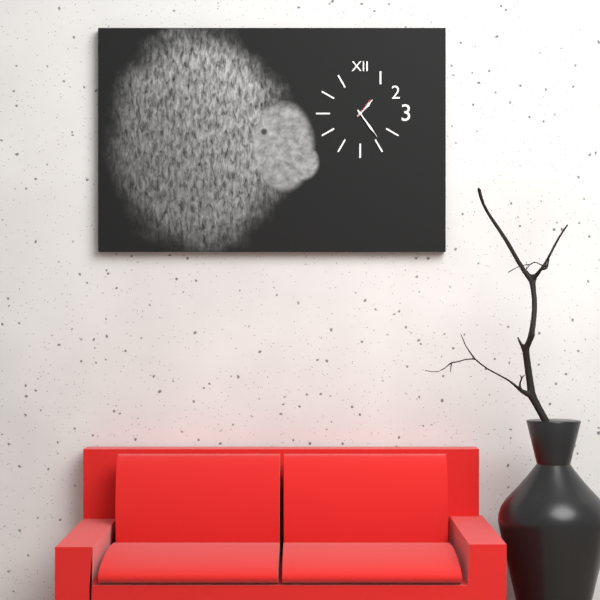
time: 1:24
